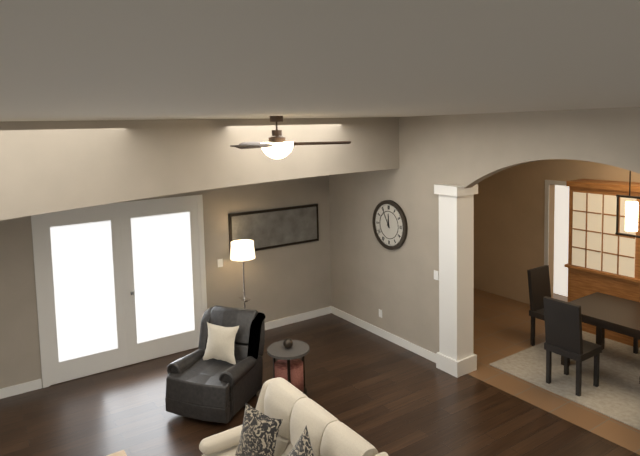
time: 11:55
